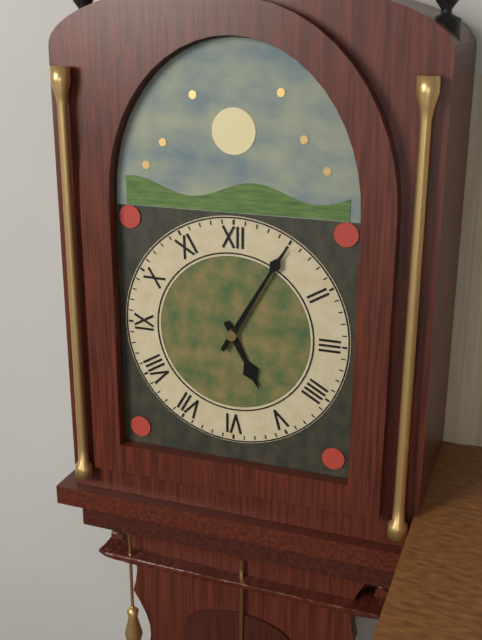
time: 5:05
